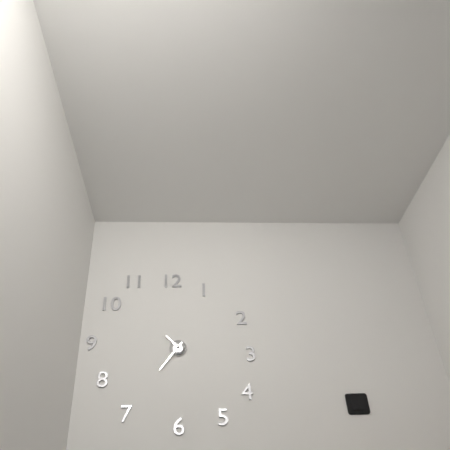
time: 10:36
